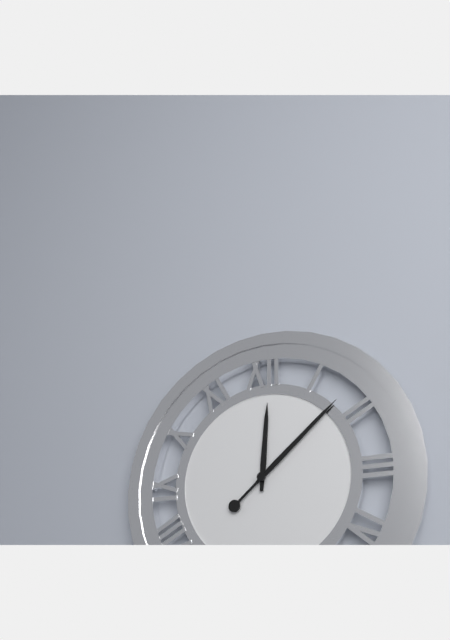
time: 12:08
